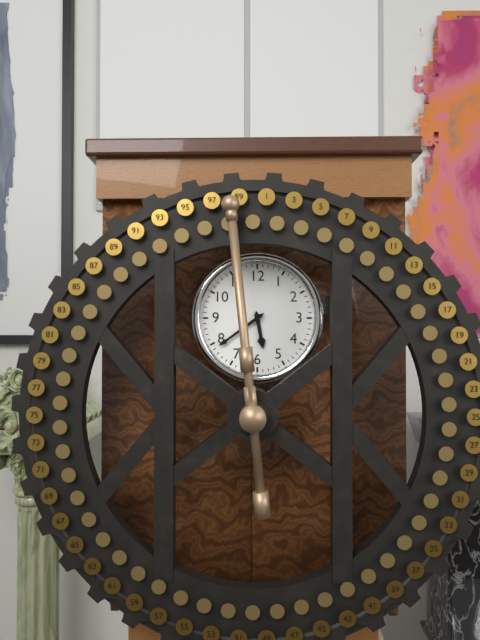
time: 5:39
